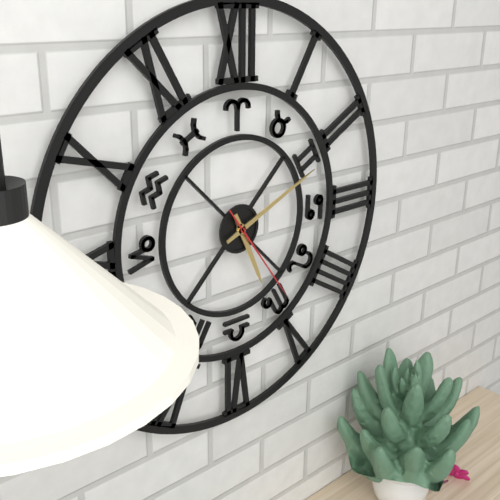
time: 5:11:24
